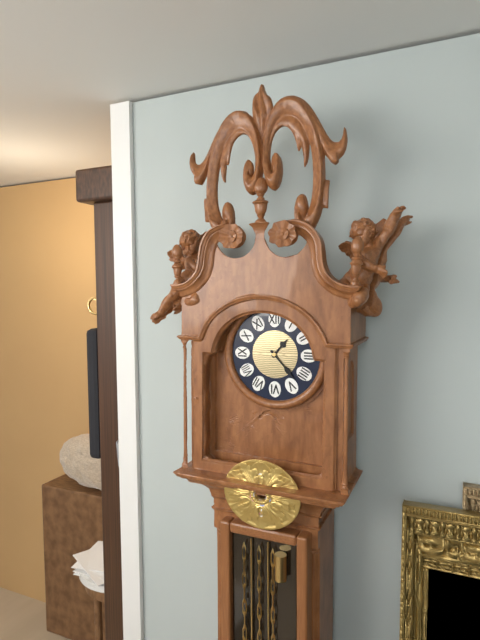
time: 1:23
